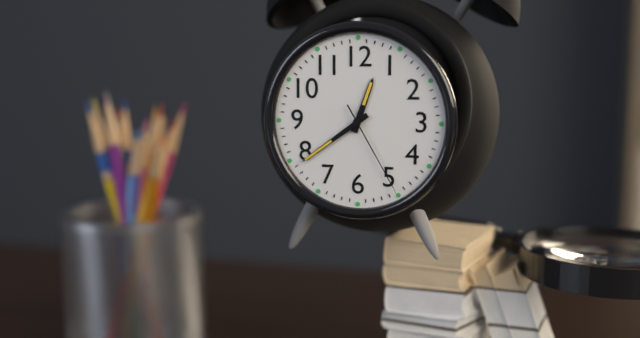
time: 12:39:25
